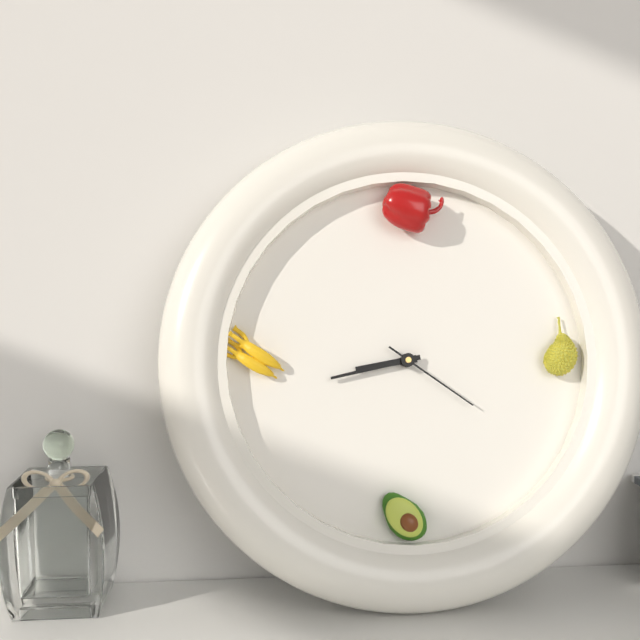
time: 8:43:21
